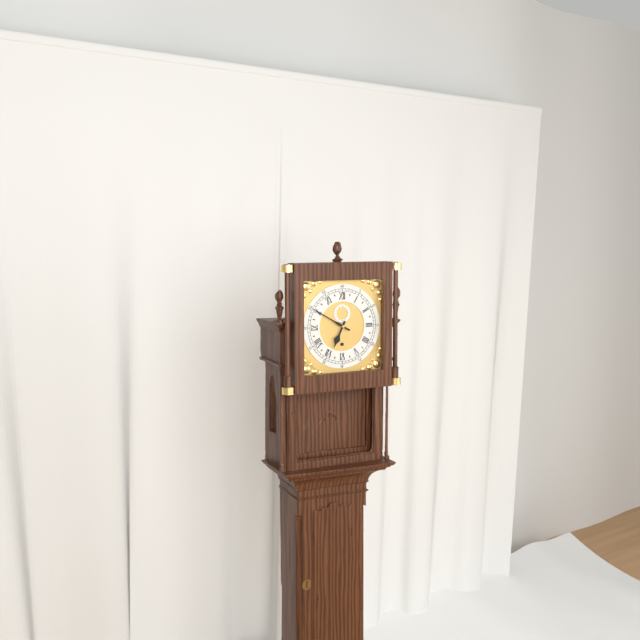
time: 6:50
